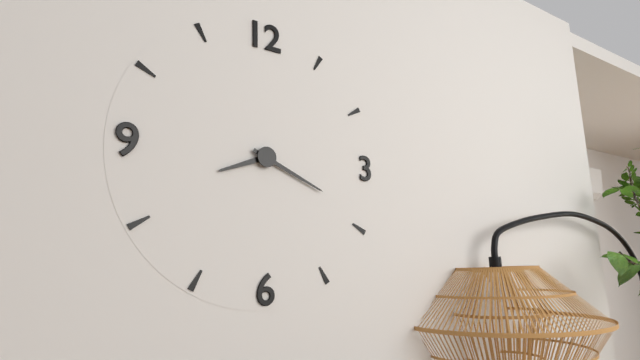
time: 8:19
